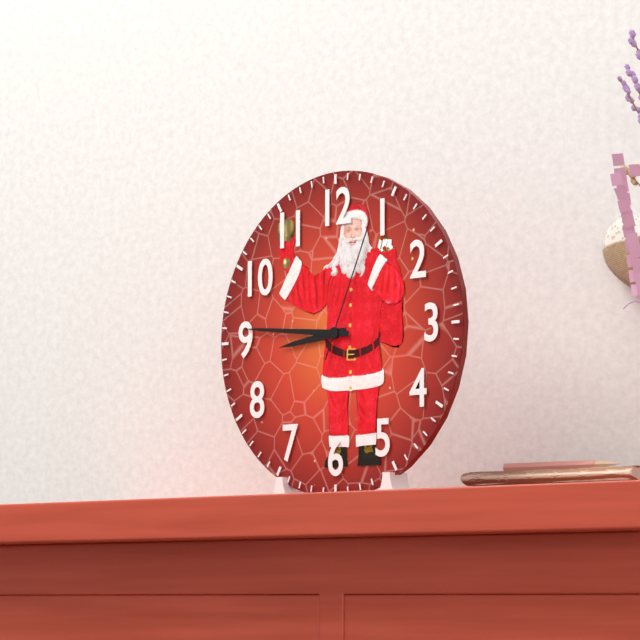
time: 8:46:04
